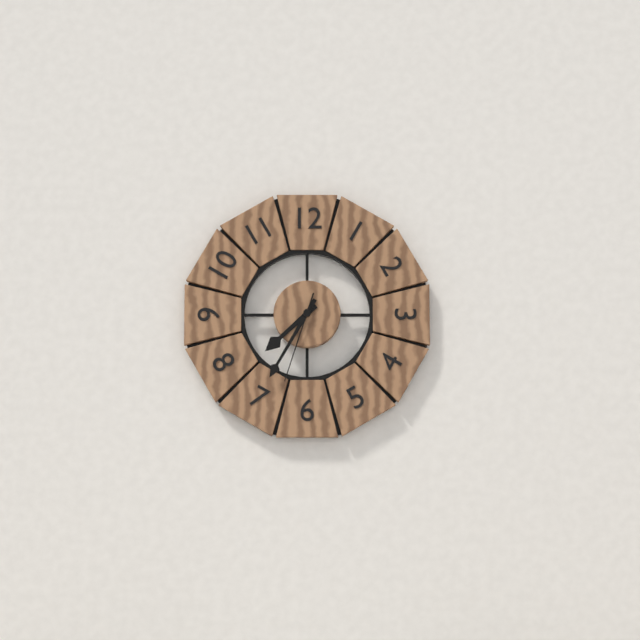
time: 7:35:33
